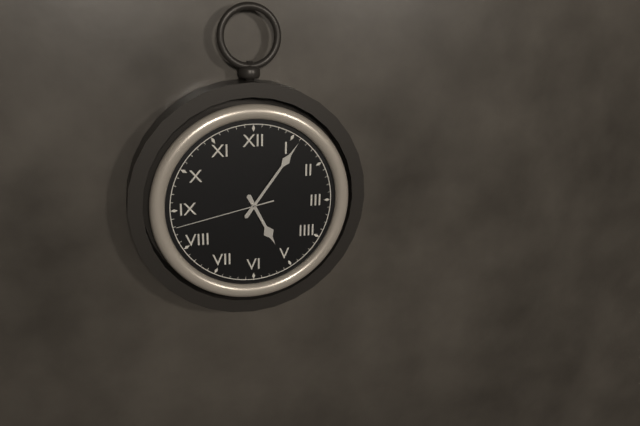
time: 5:06:43
